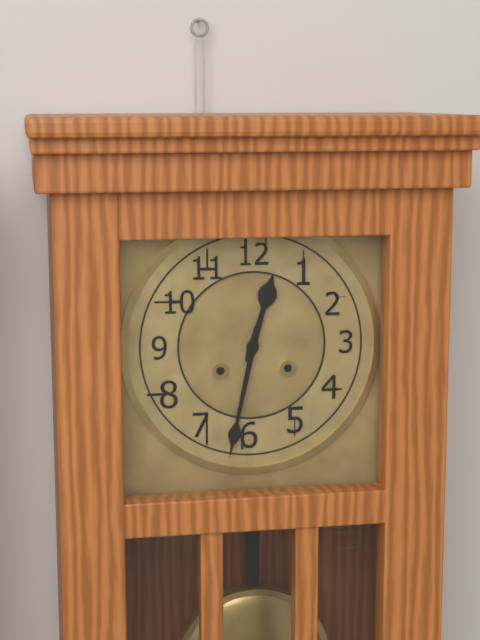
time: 12:32
